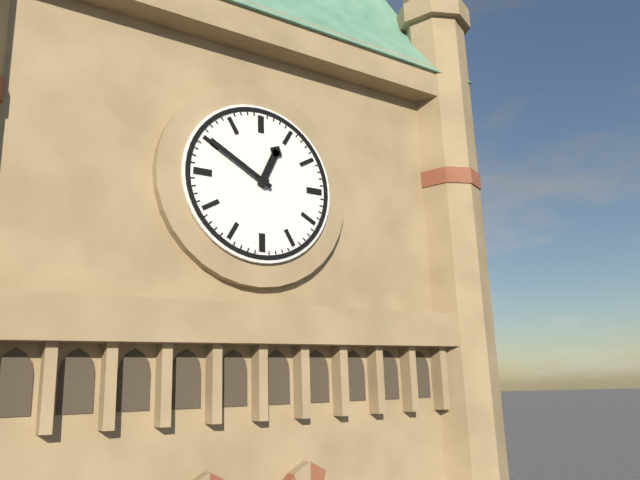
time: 12:50
